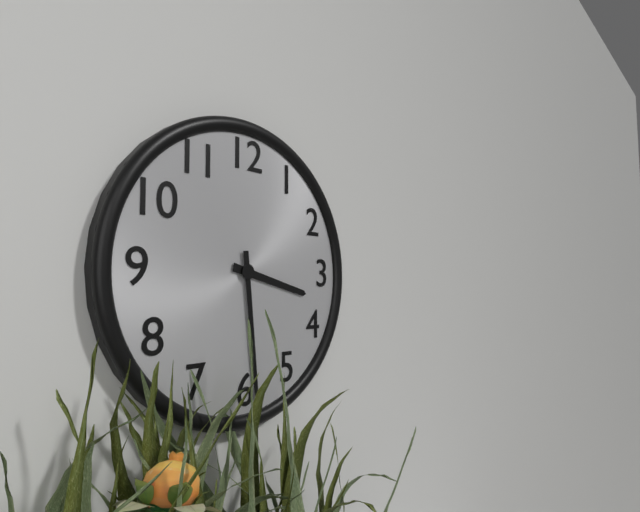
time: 3:29
